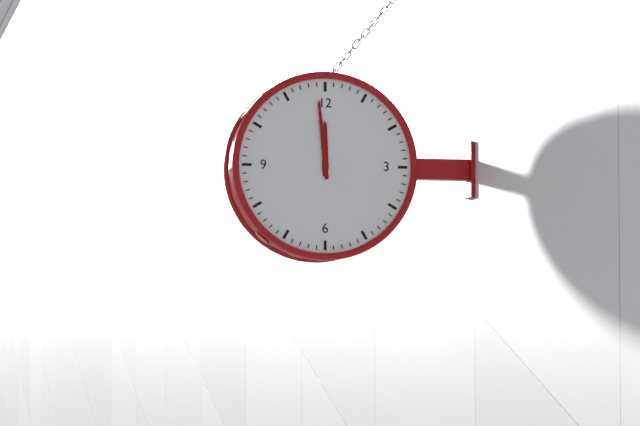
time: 11:59
